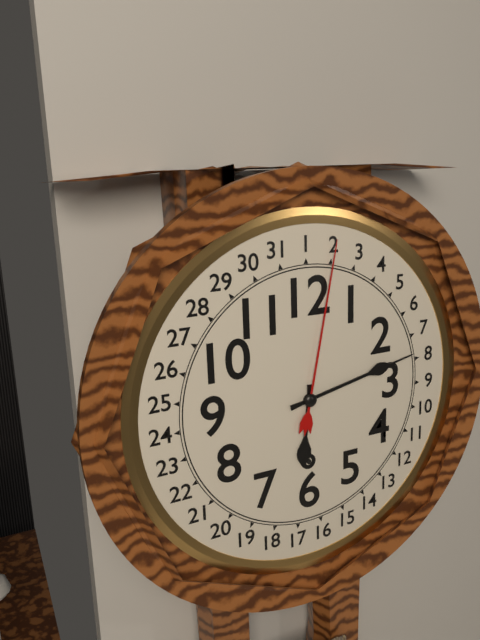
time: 6:13
